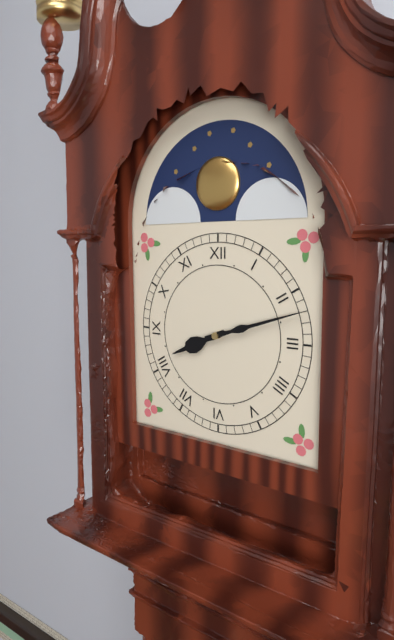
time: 8:12
